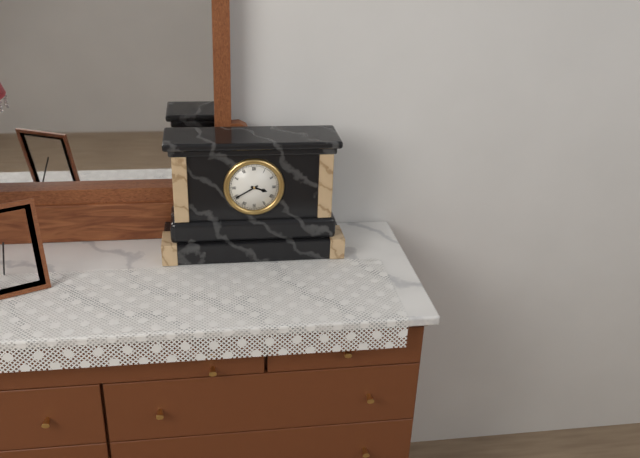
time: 3:40
